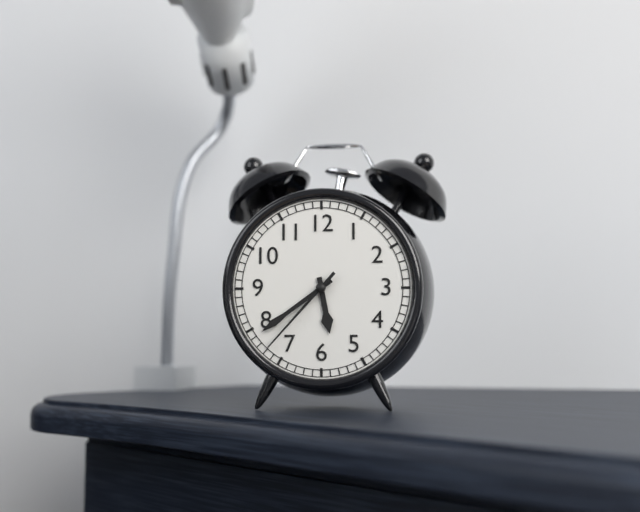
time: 5:39:37
